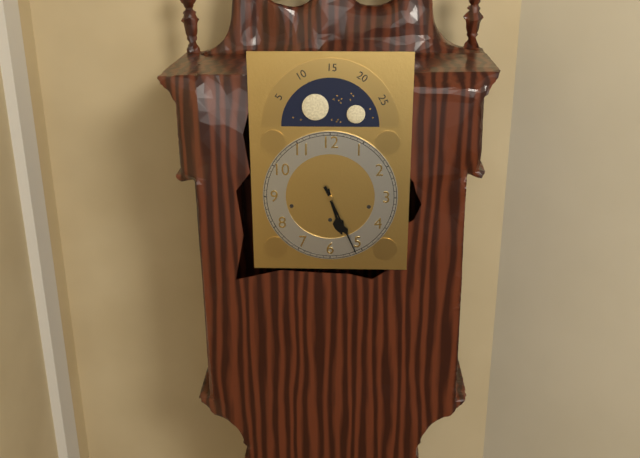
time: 5:26
